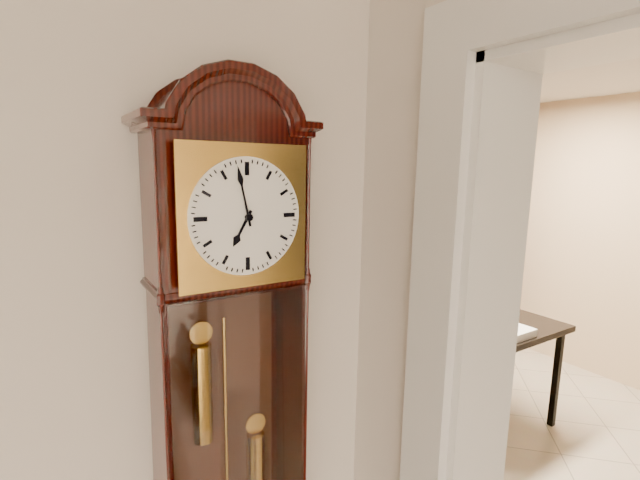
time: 6:58
